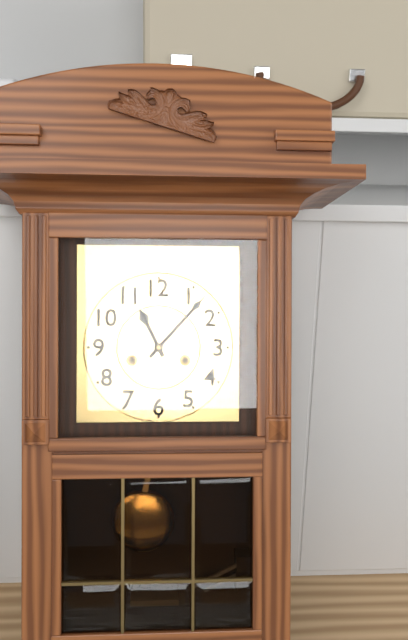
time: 11:07
